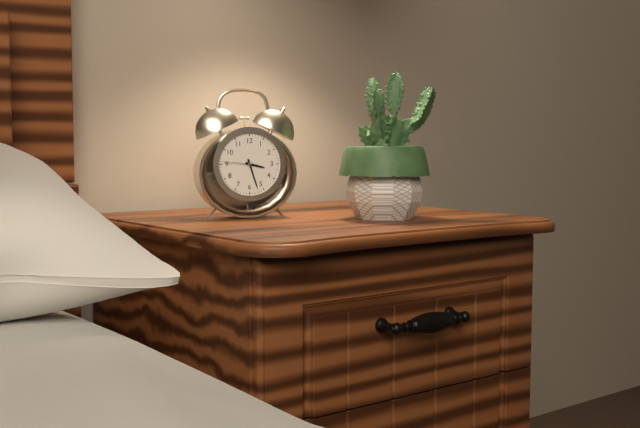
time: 3:27
